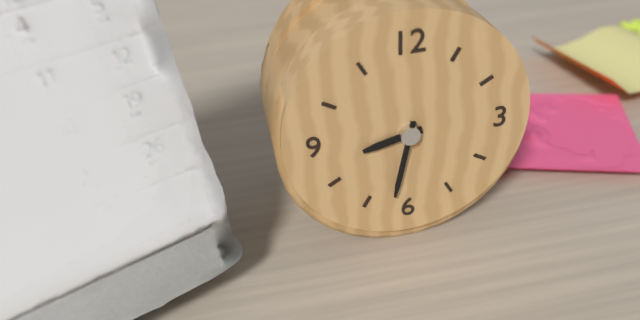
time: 8:32
